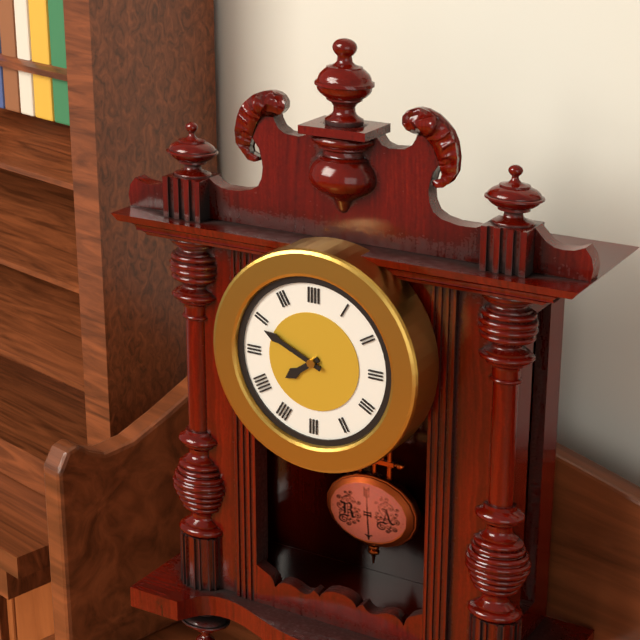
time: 7:49
